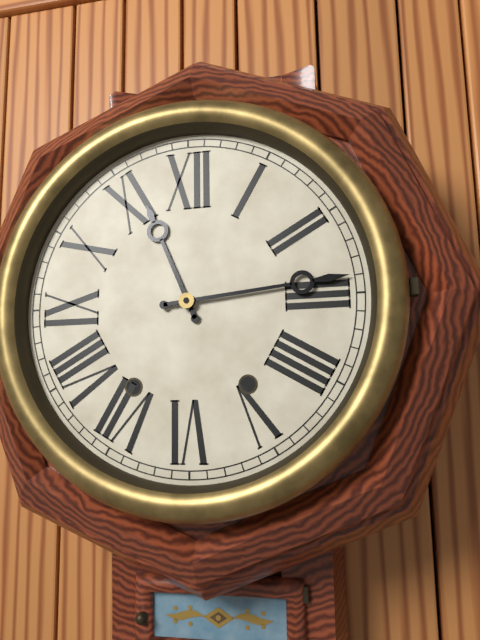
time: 11:14
